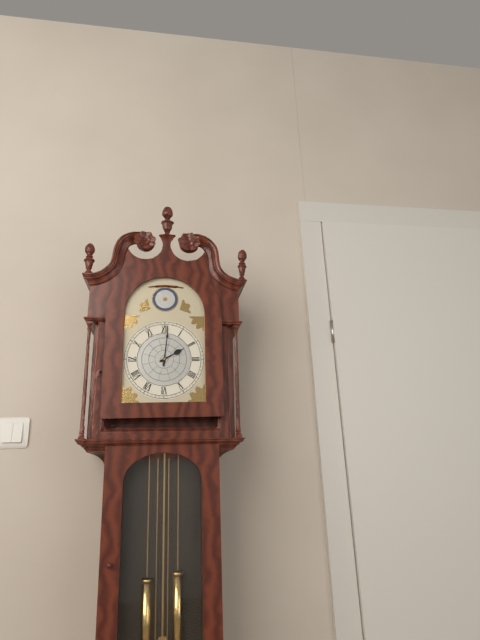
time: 2:01
